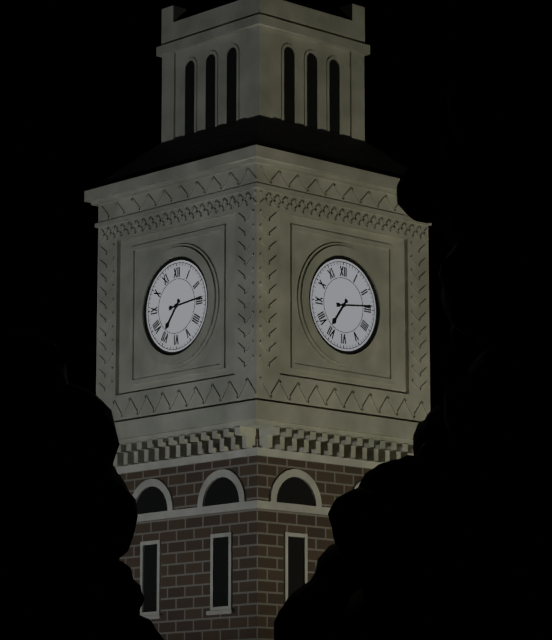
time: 7:14
